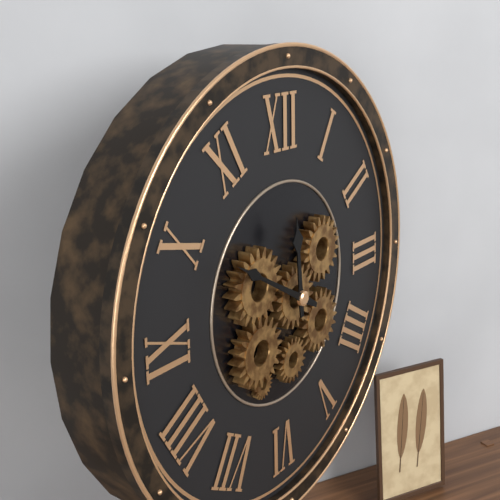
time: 11:50
